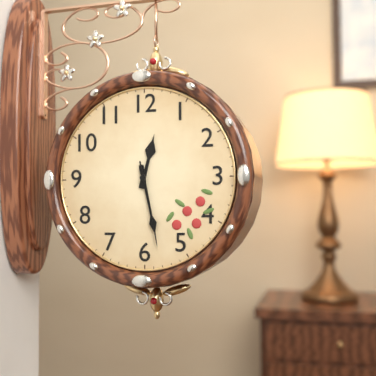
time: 12:28:28
